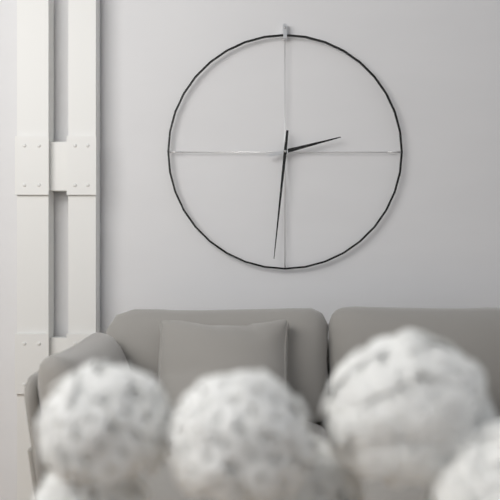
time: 2:31
